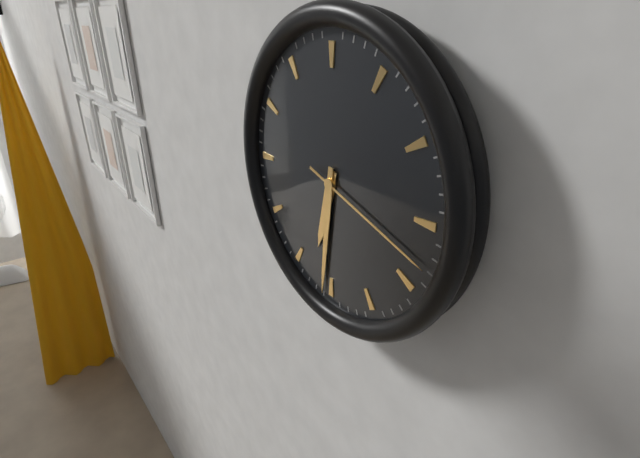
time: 6:31:18
